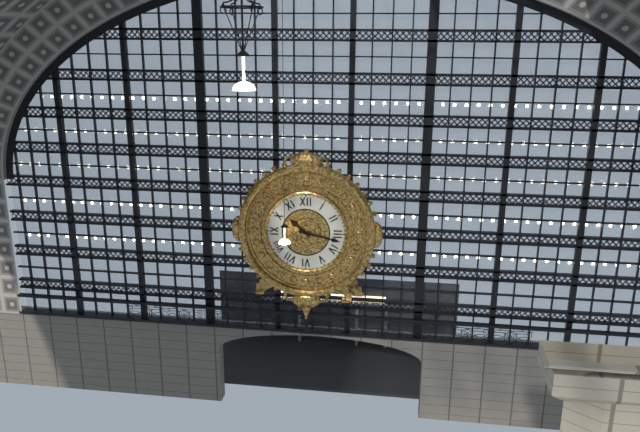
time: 10:17
